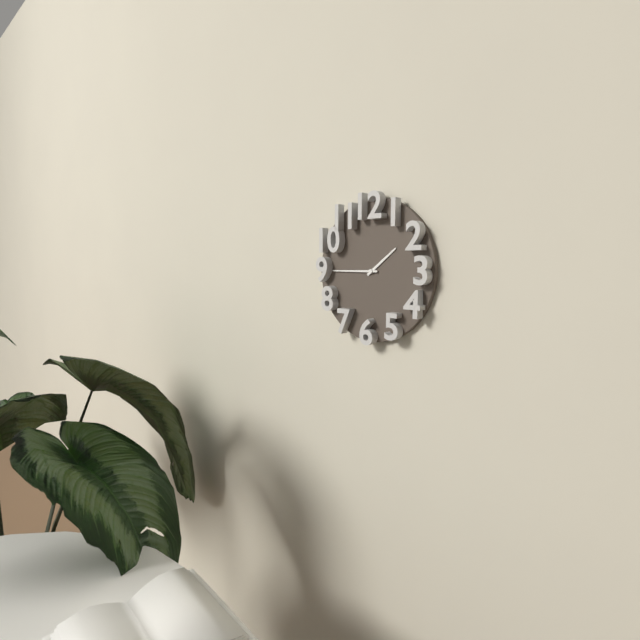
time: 1:45
